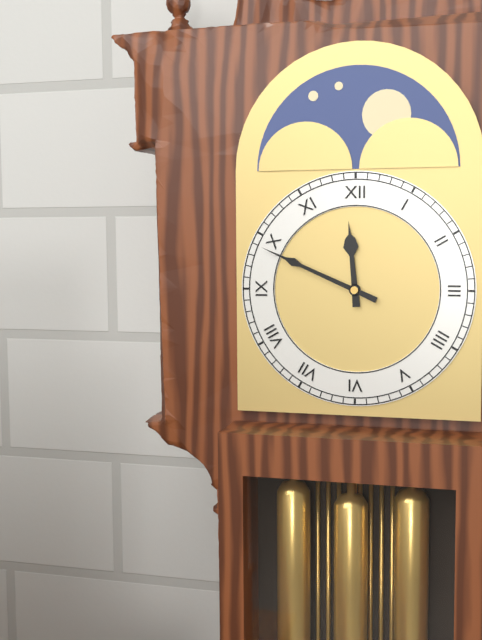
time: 11:49
